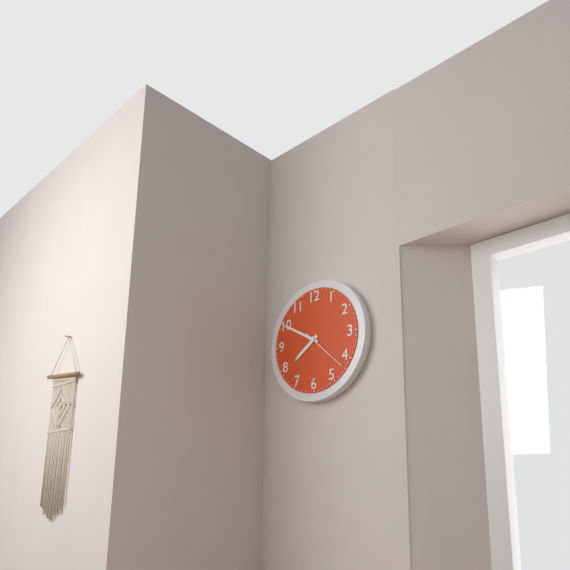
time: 7:50
